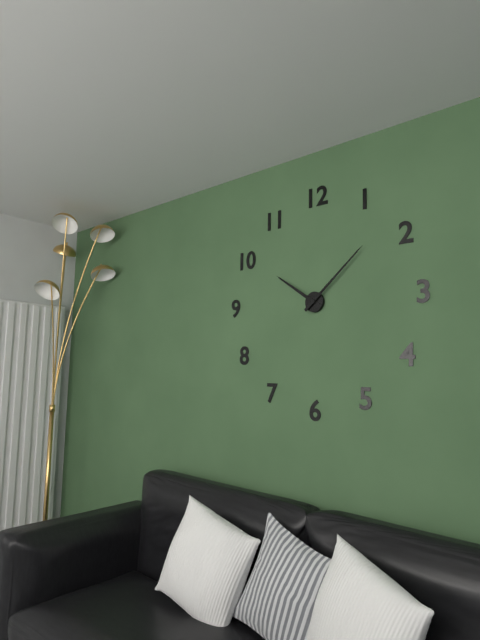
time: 10:08
